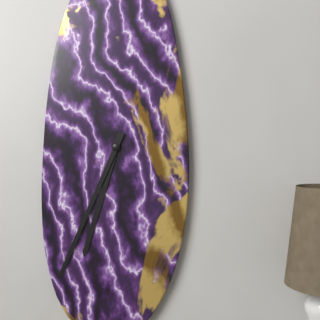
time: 6:34
